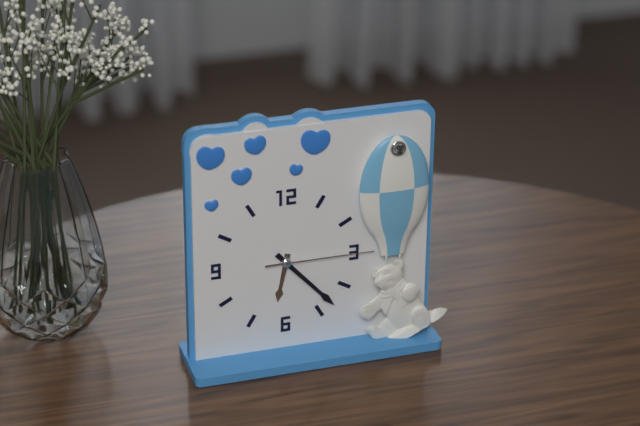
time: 6:23:15
